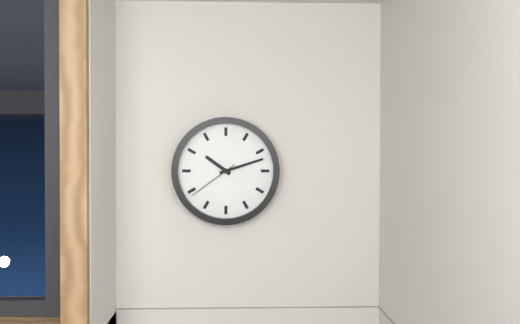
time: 10:12:39
